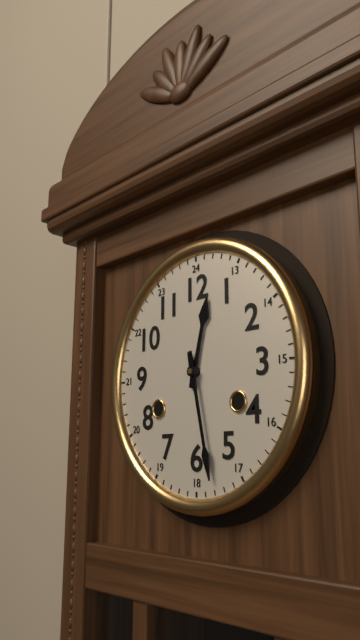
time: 12:28
